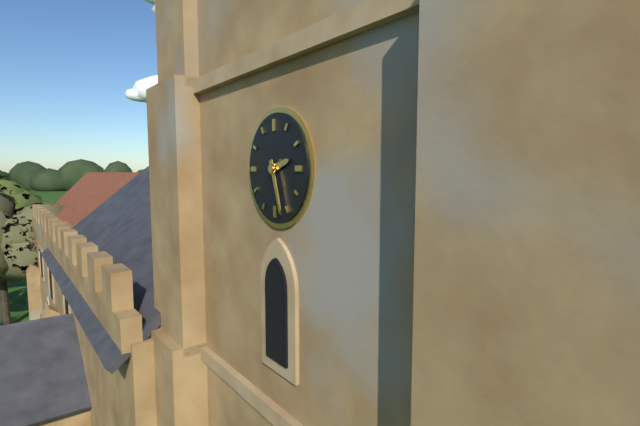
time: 2:27
